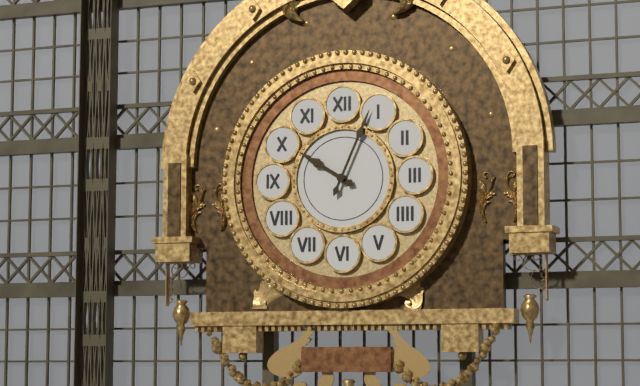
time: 10:04
